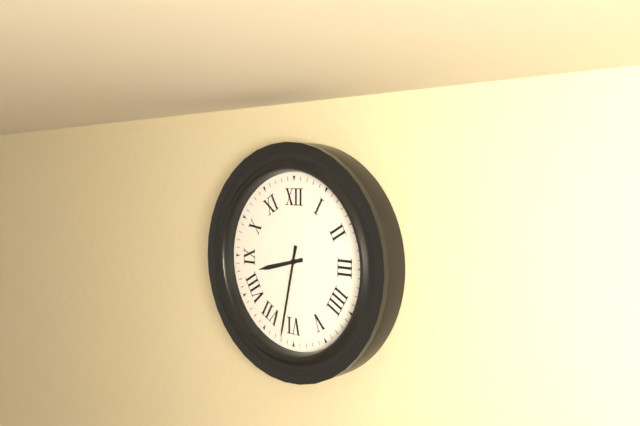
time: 8:32
